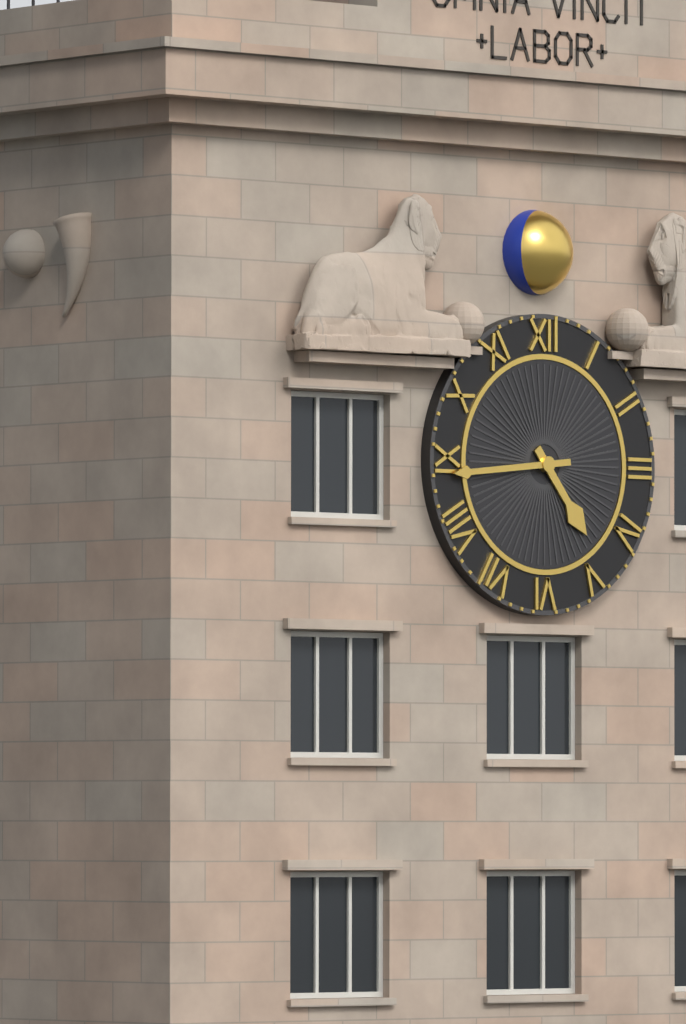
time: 4:44
